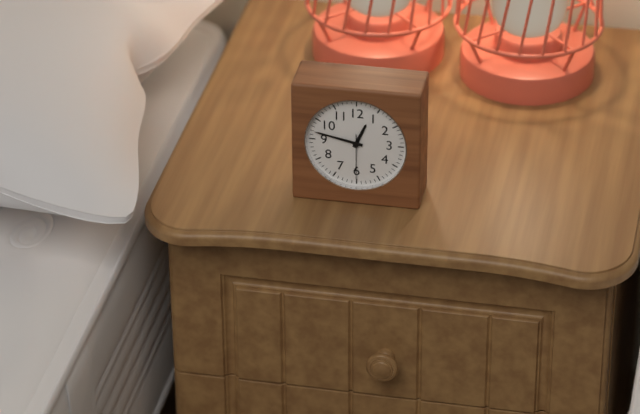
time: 12:47
